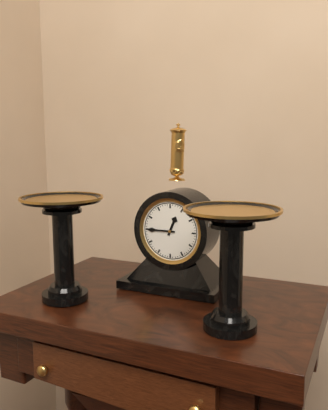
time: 12:45
